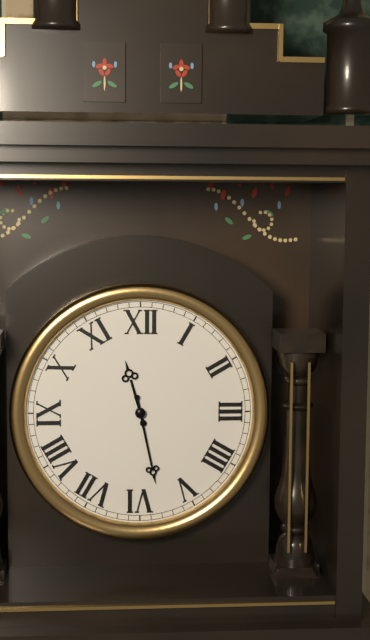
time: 11:28
